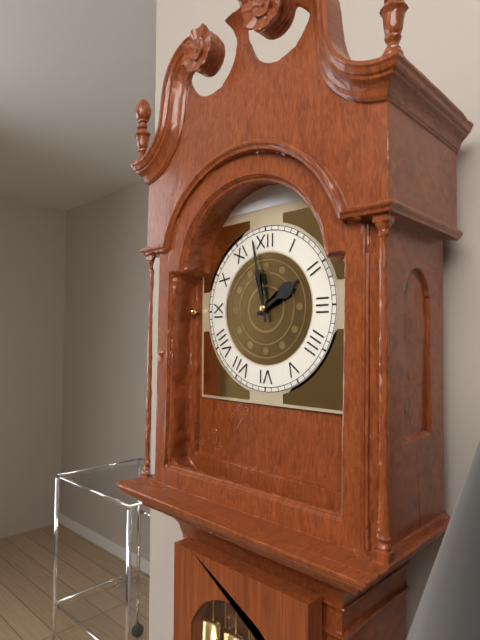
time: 1:58
